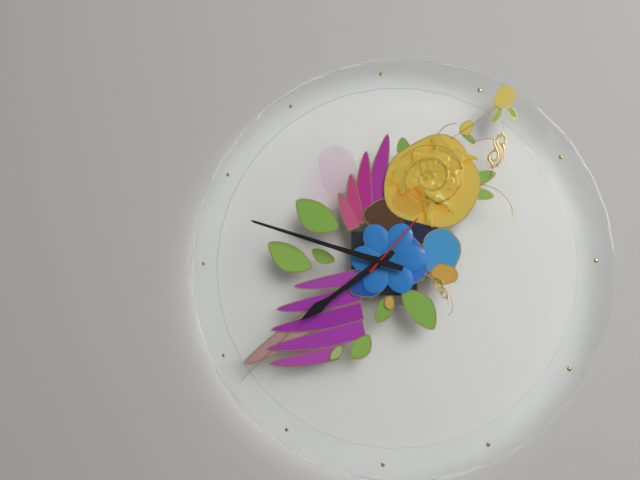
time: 7:48:07
